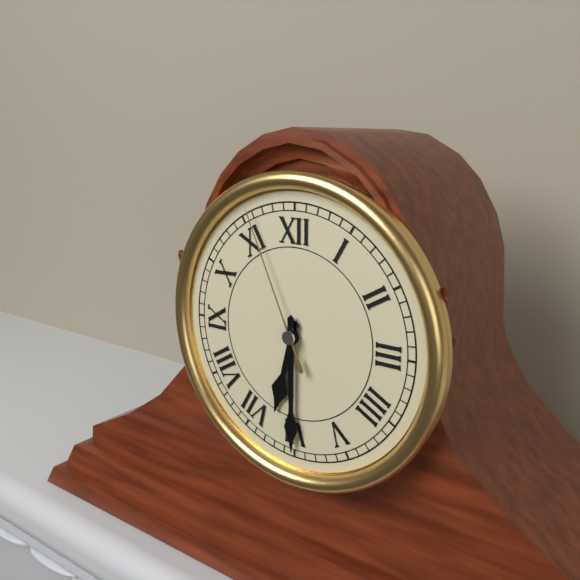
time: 6:30:56
